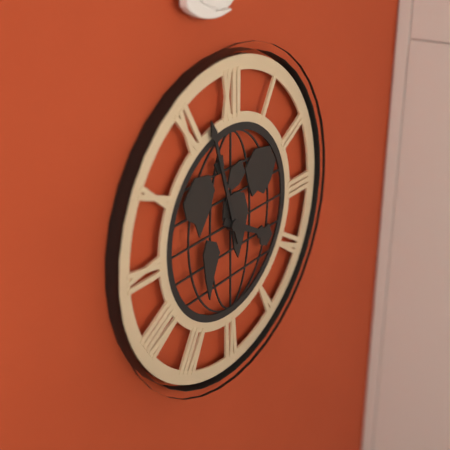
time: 3:57
